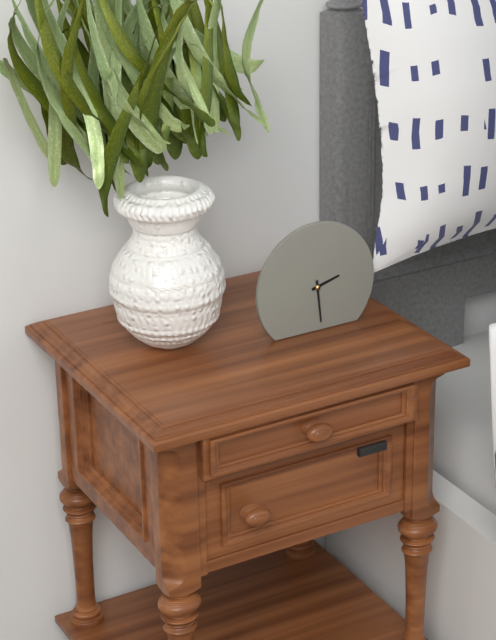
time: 2:29
